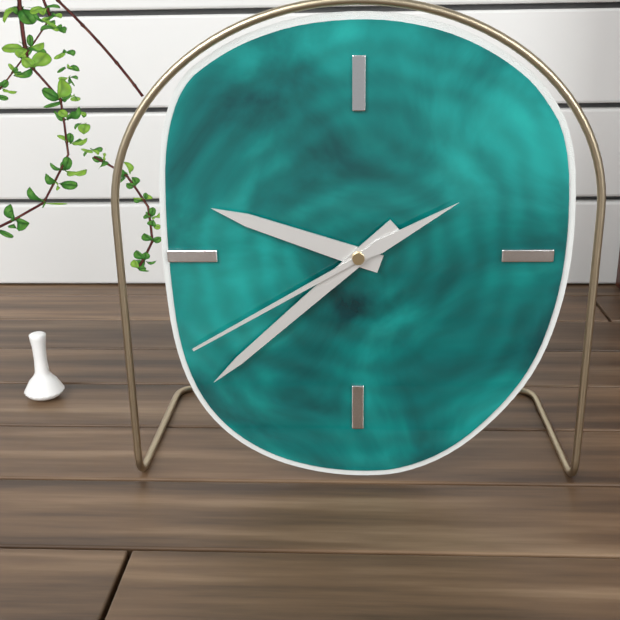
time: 9:38:40
